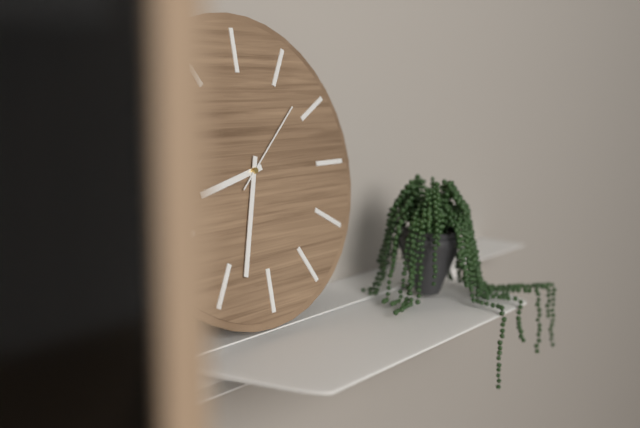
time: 8:33:08
